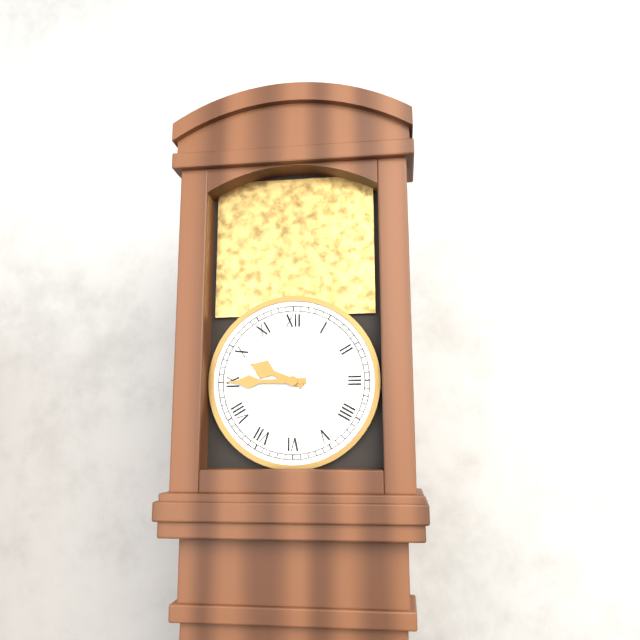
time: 9:45
